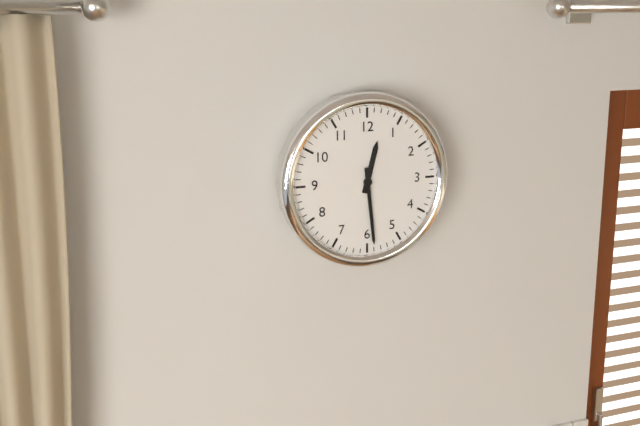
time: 12:29
